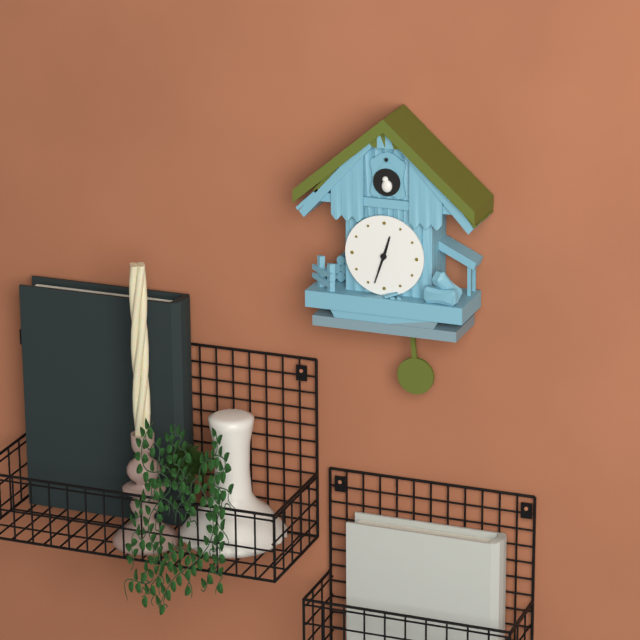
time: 12:33
